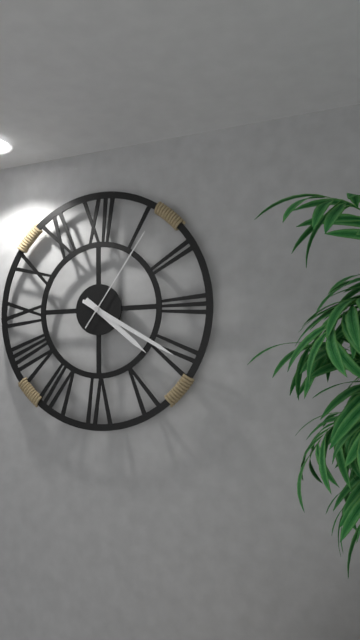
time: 4:20:06
